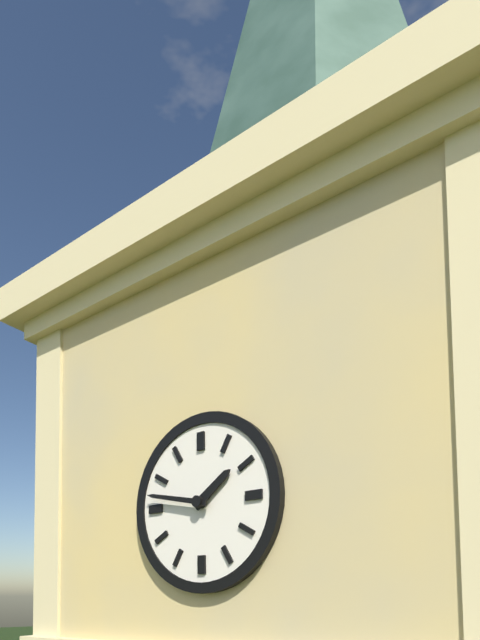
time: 1:47
